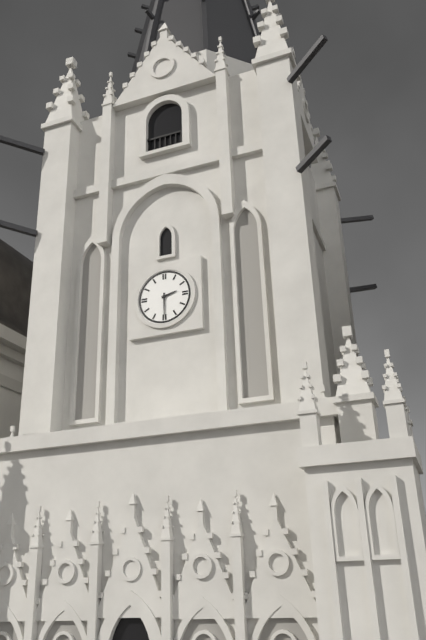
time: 2:30
